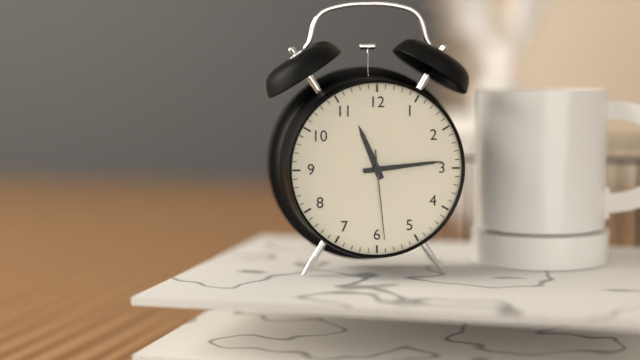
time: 11:14:29
